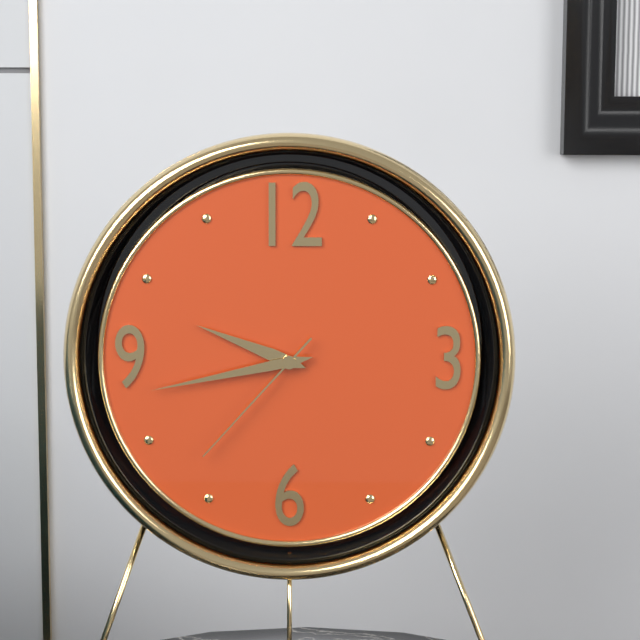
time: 9:43:37
